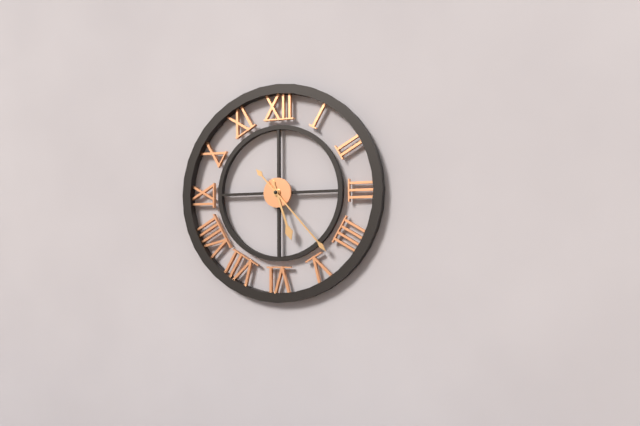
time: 5:23
